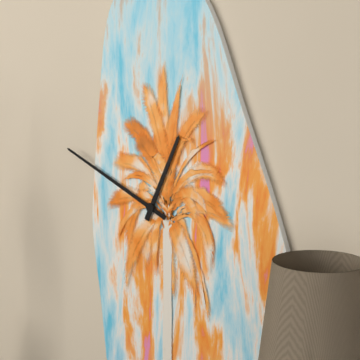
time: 12:49
